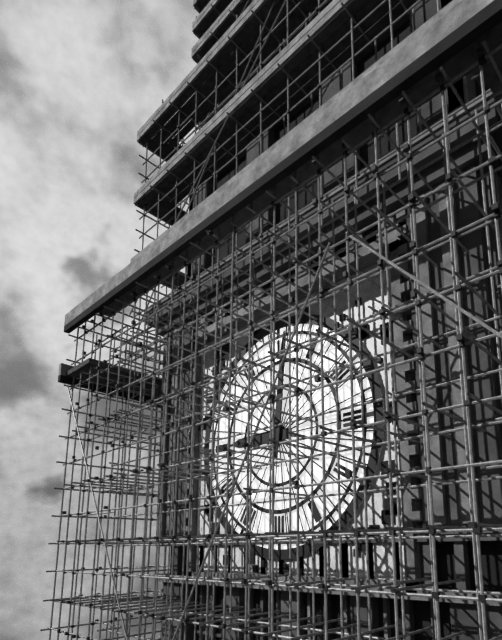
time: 9:01
